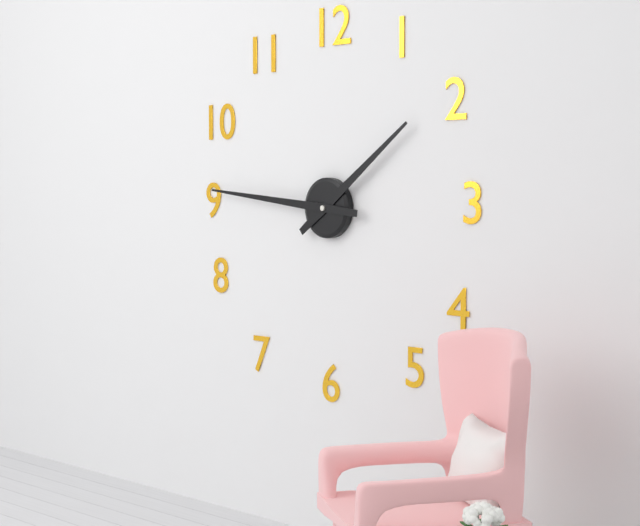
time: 1:46
